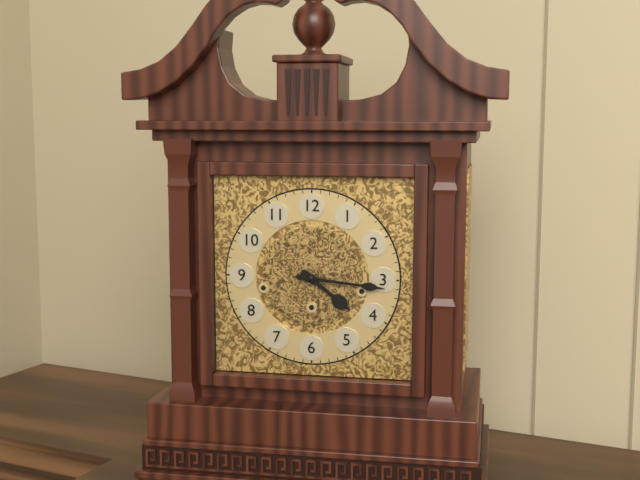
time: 4:16
